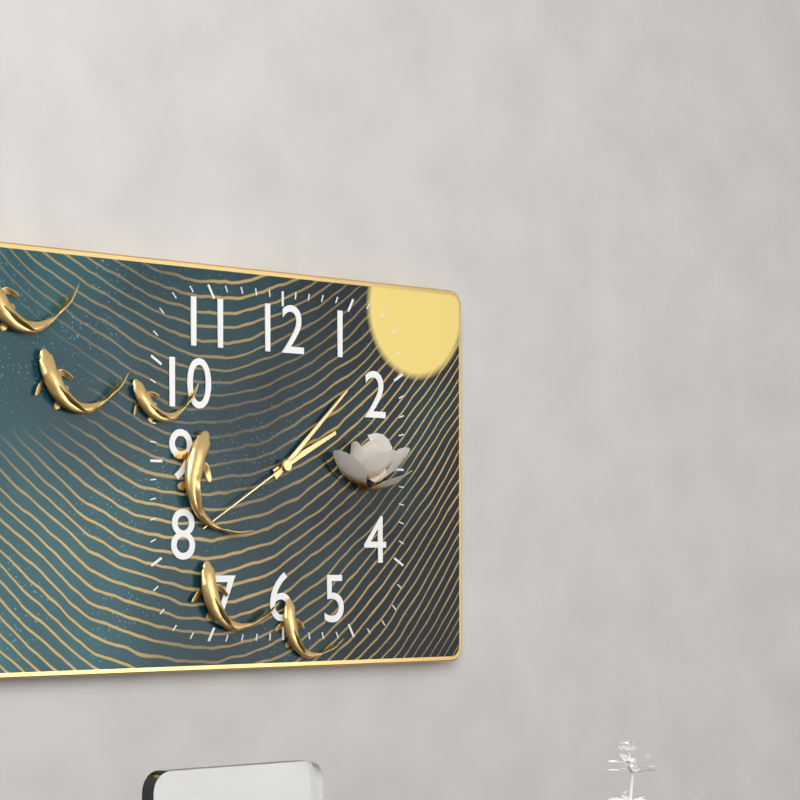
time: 2:08:40
